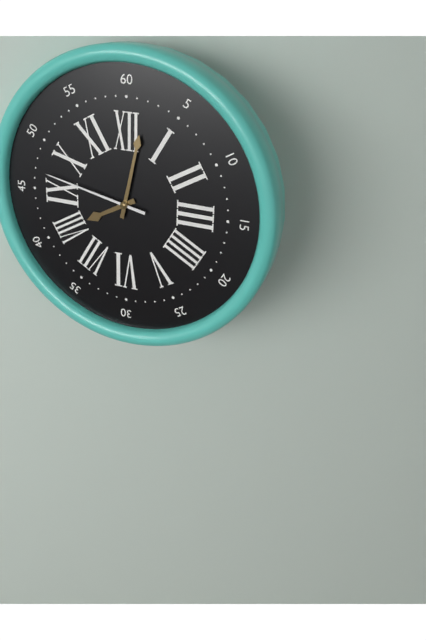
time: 8:02:47
